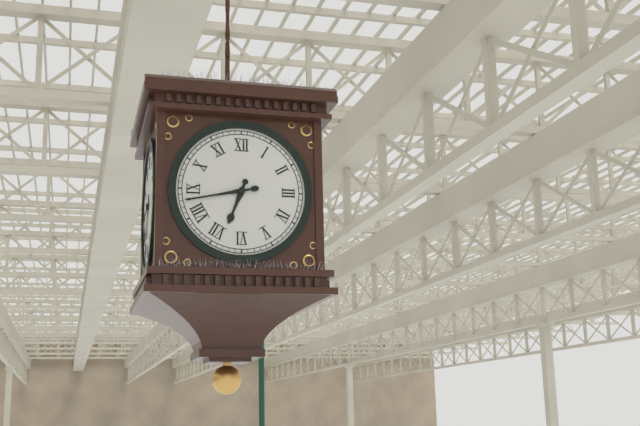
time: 6:43
